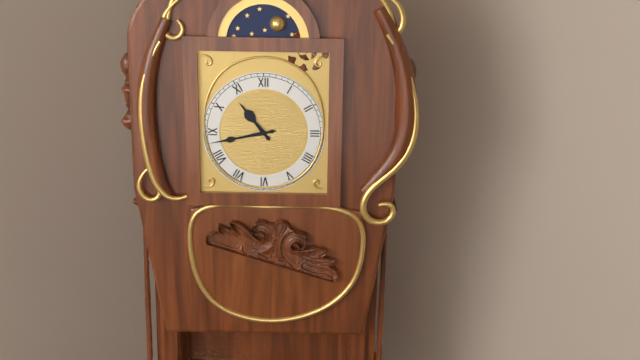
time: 10:43
